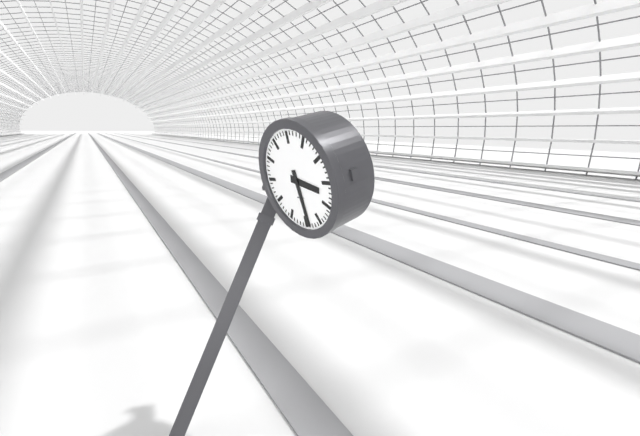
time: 3:29
